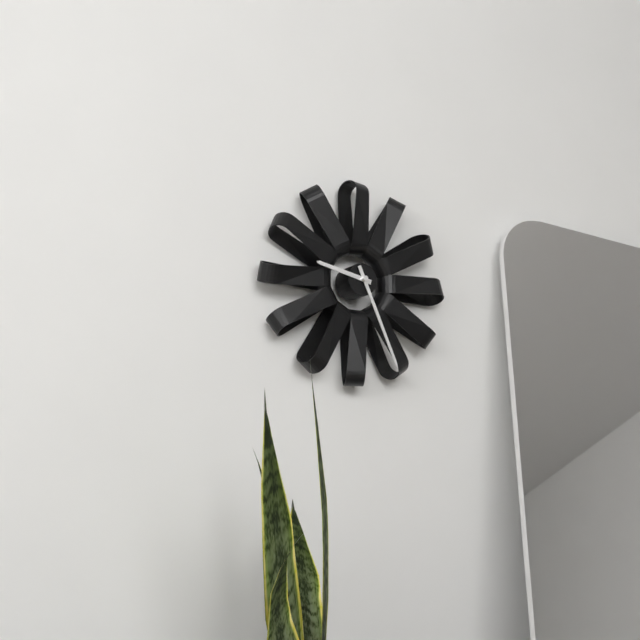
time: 9:26
